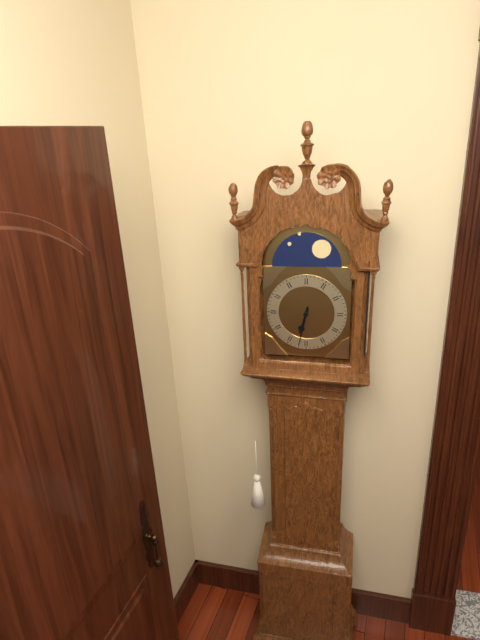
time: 6:32
